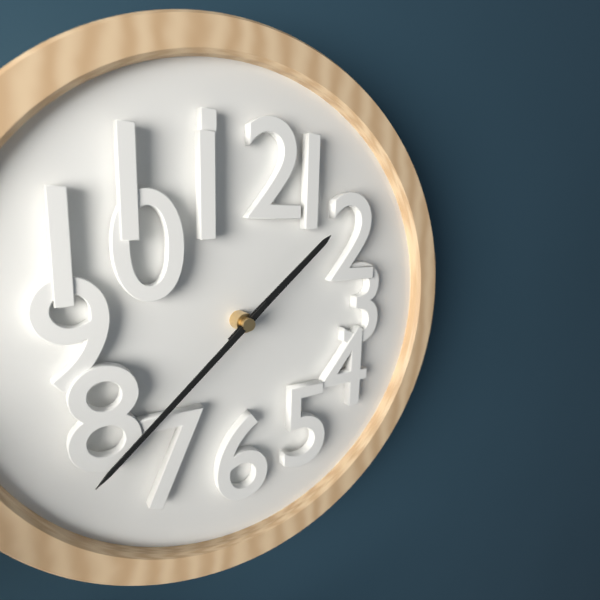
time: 1:38
